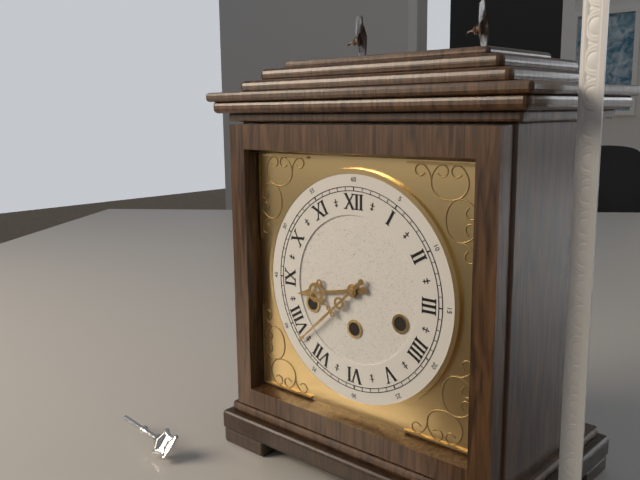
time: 8:38
